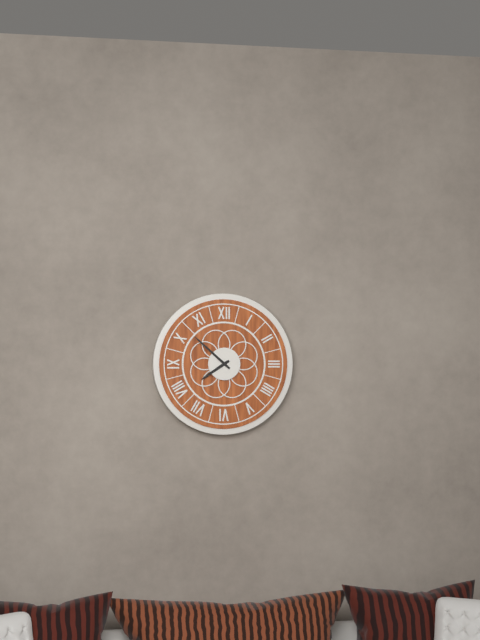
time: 7:52
